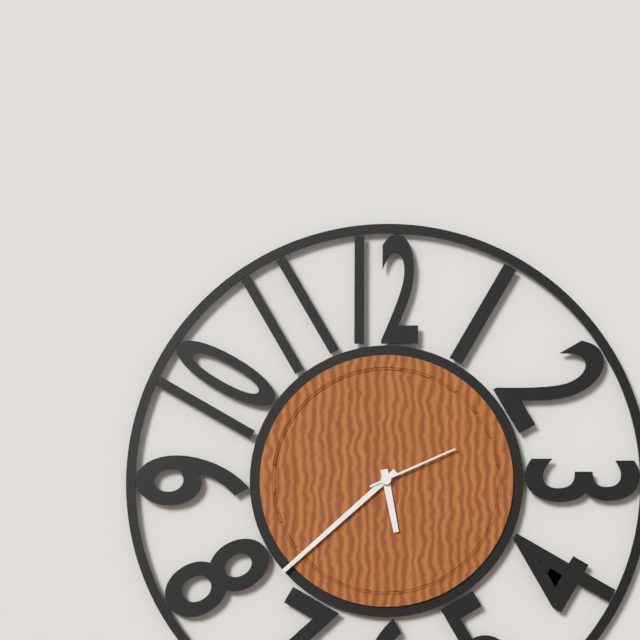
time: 5:38:11
